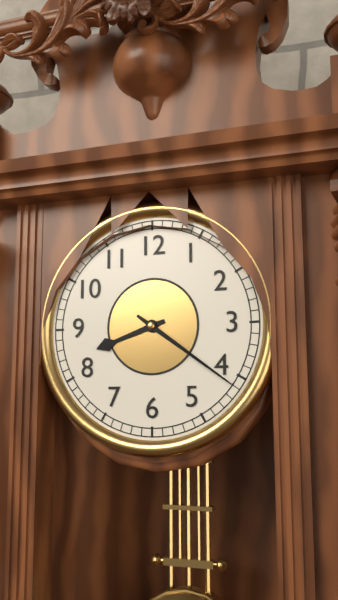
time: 8:21
